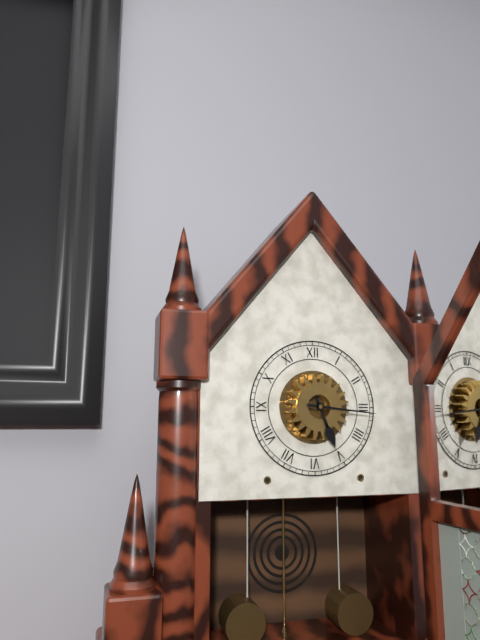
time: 5:16
